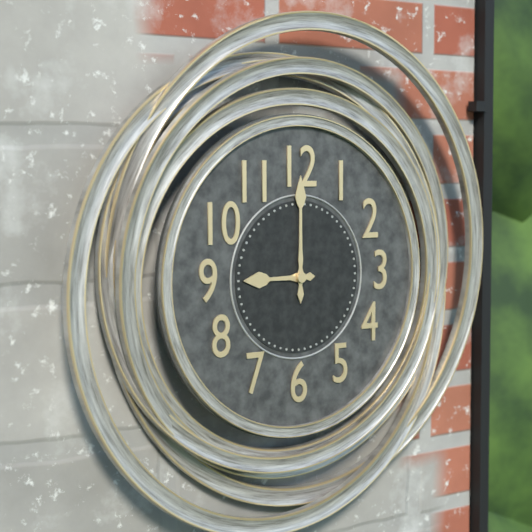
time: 9:00
